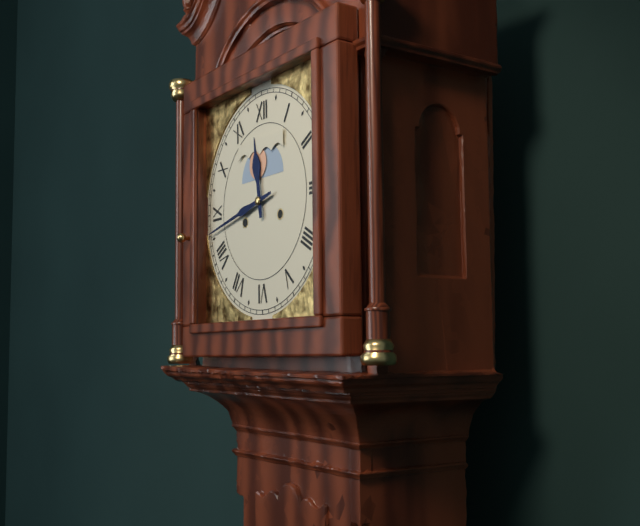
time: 11:43
